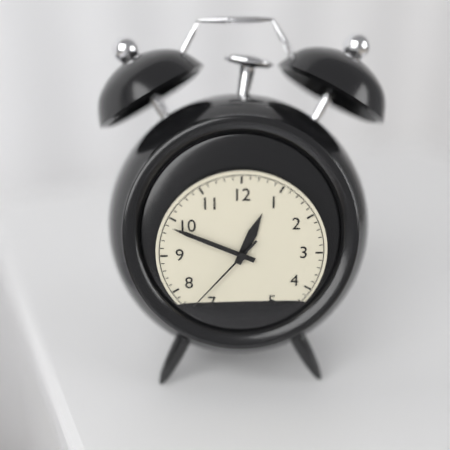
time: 12:49:37
